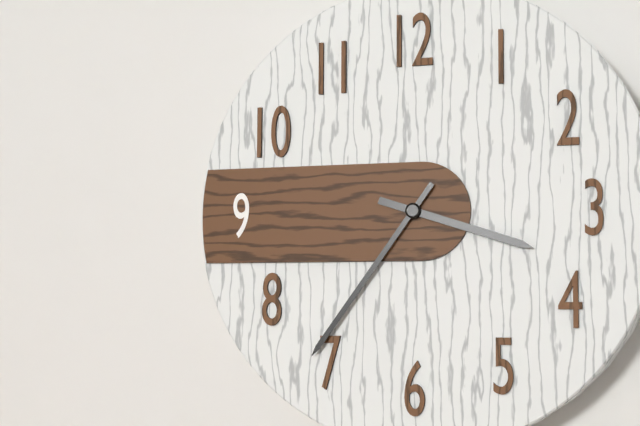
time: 3:36
